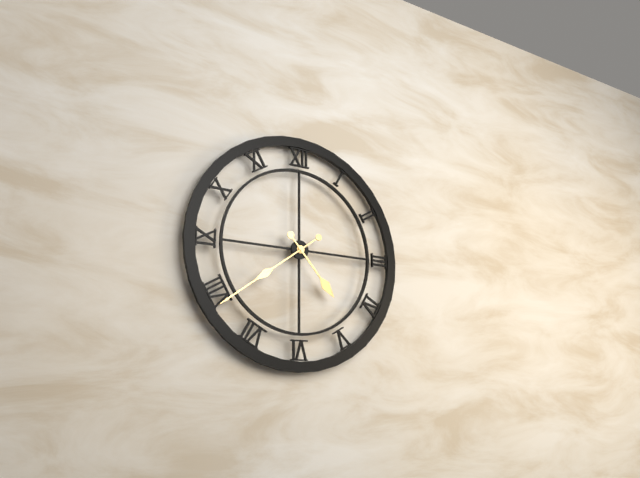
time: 4:39
